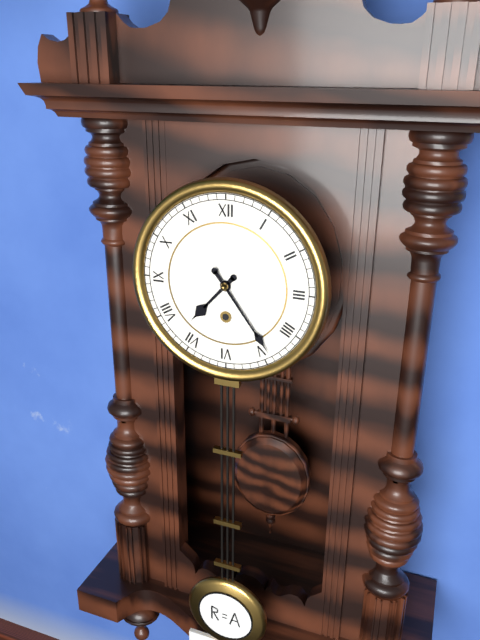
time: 7:24
